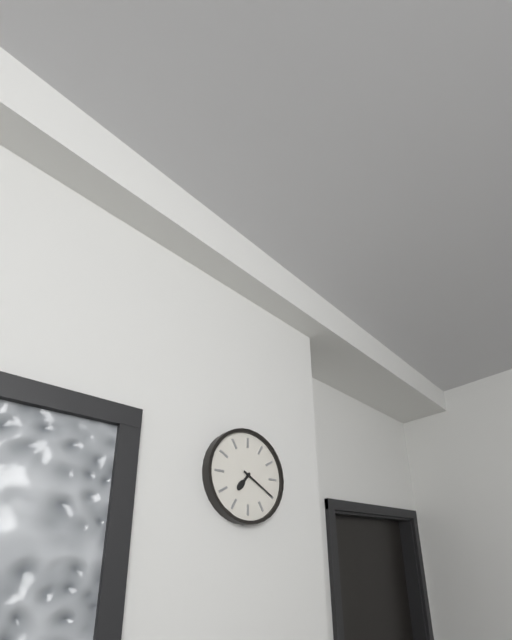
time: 7:20
